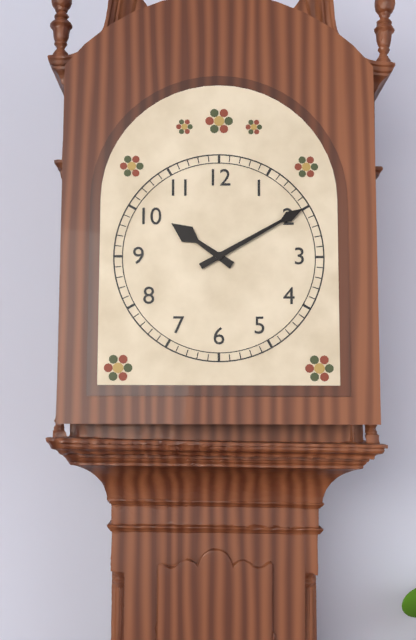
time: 10:10
